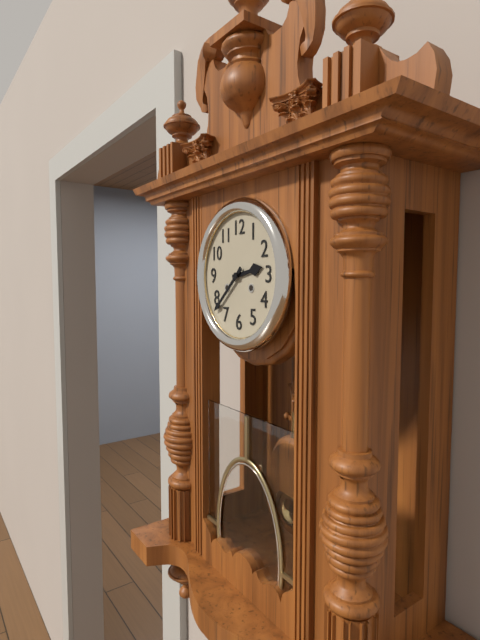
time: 2:38
